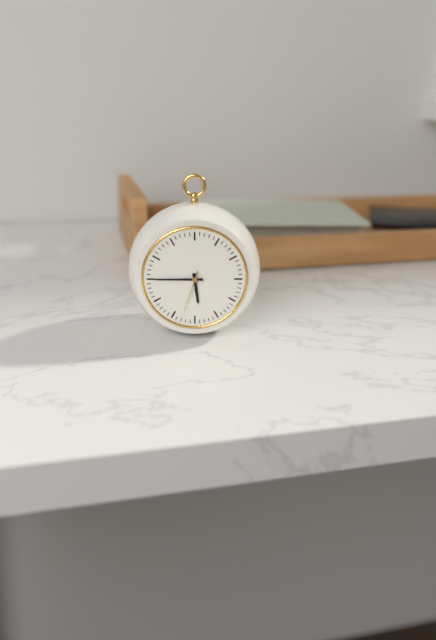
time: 5:45
